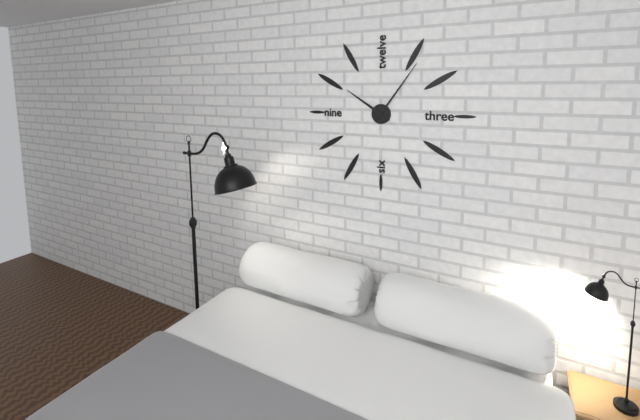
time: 10:06
